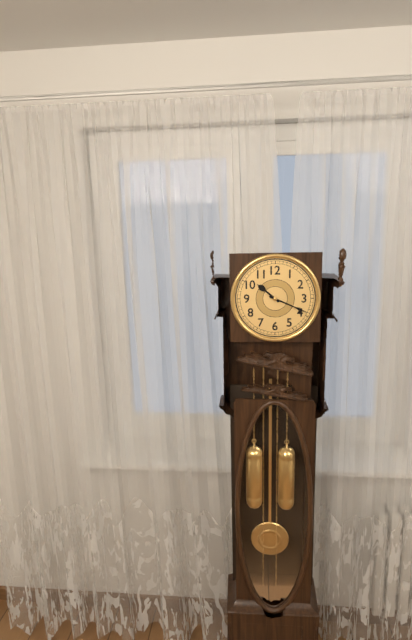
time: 10:19
